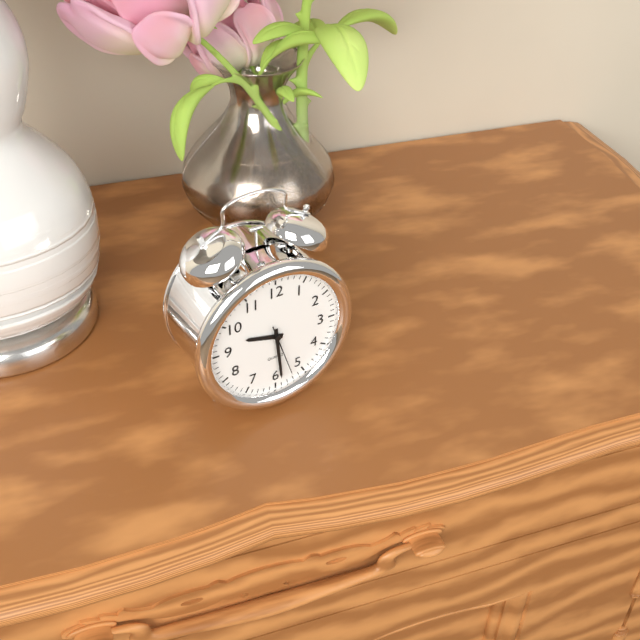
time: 9:29
